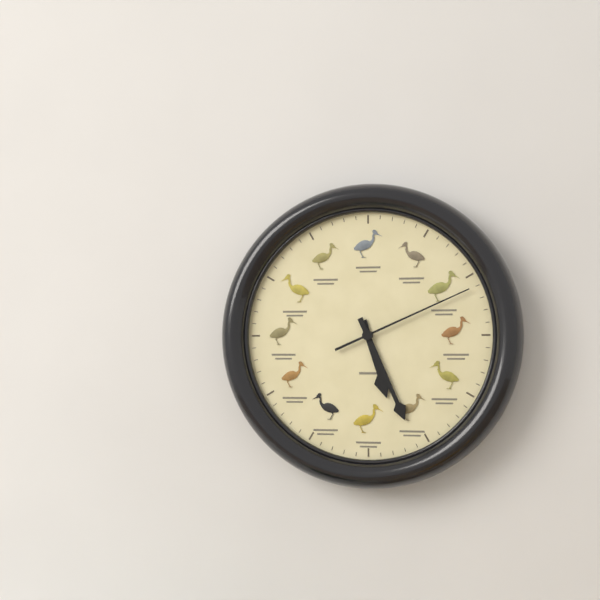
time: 5:26:11
